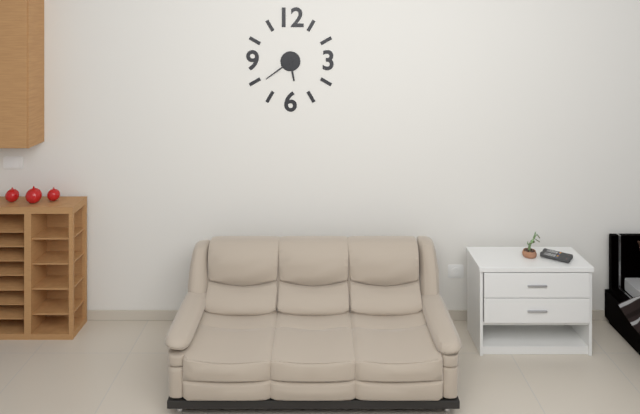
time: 5:39
